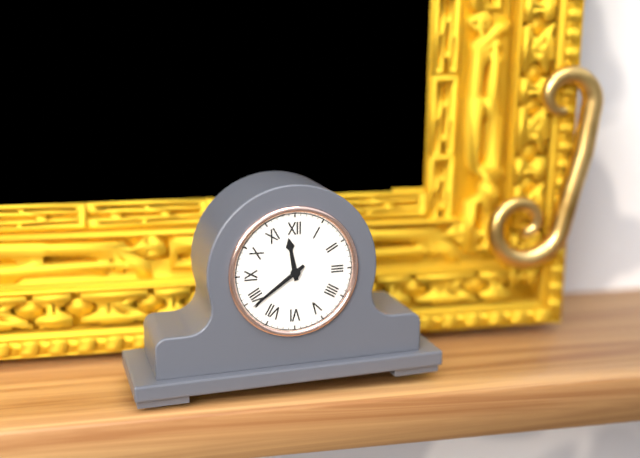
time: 11:39
